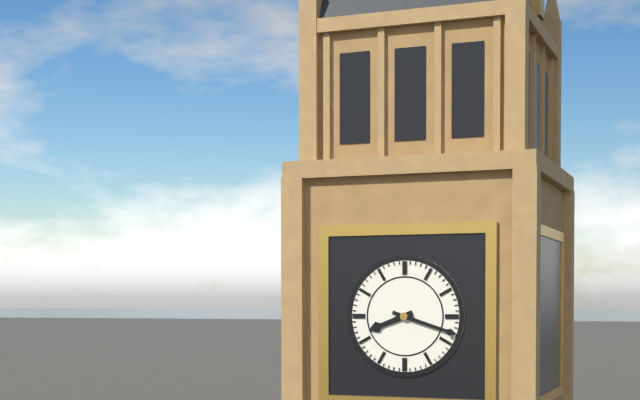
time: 8:18
